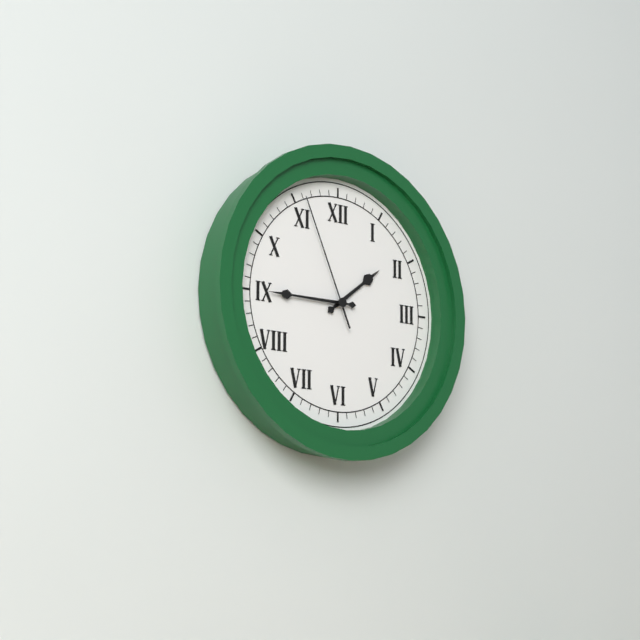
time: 1:45:56
